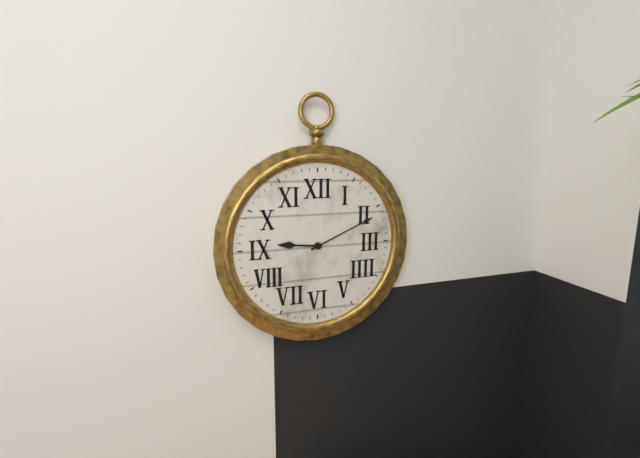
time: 9:11
